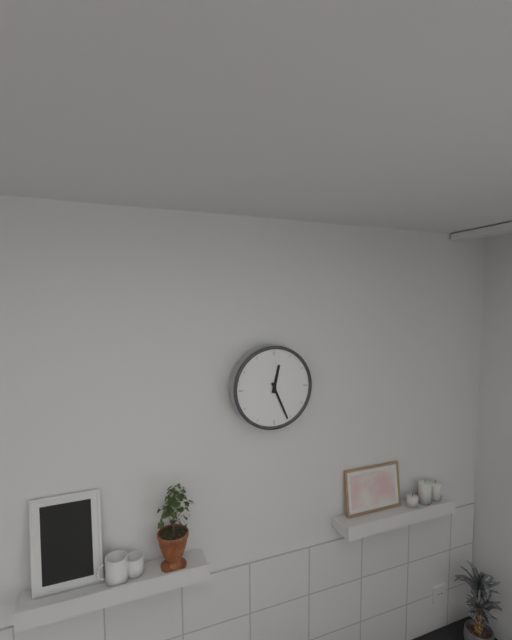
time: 12:26
